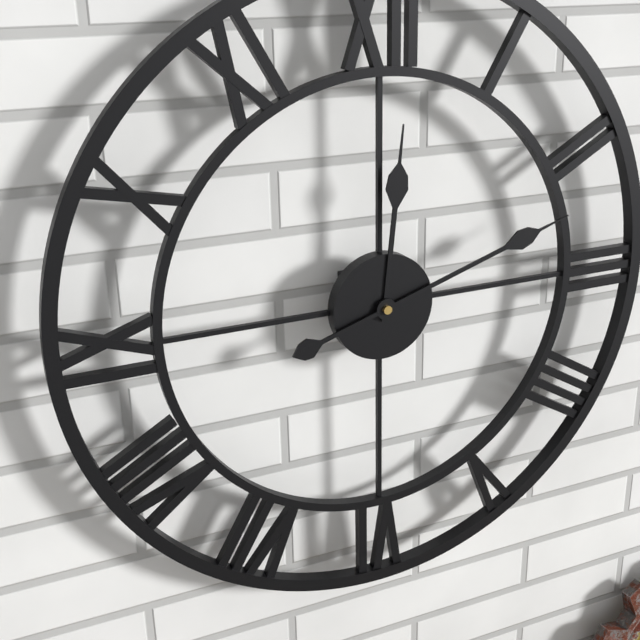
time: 12:12
